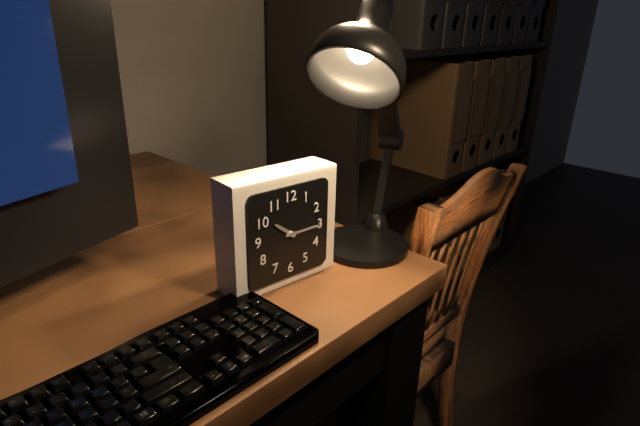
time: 10:15
